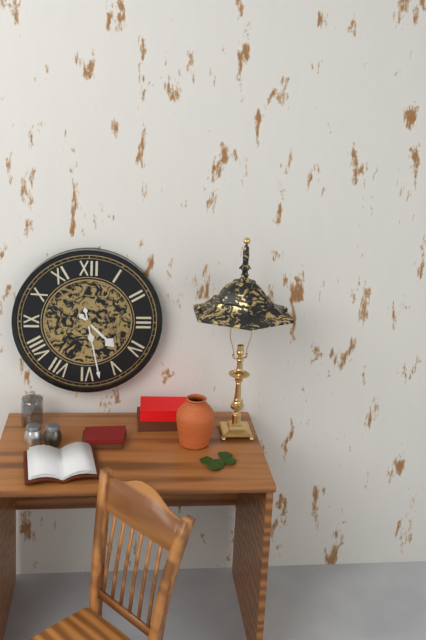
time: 4:28
